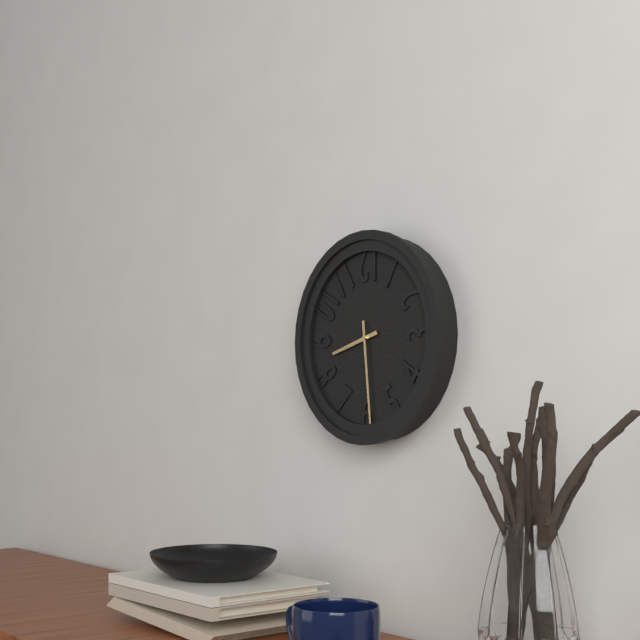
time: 8:29
